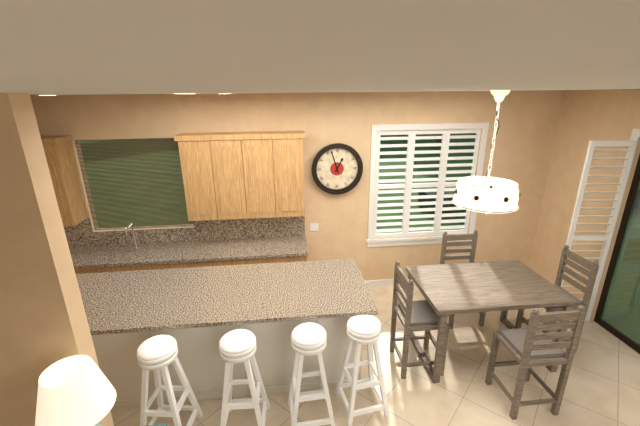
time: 12:57
